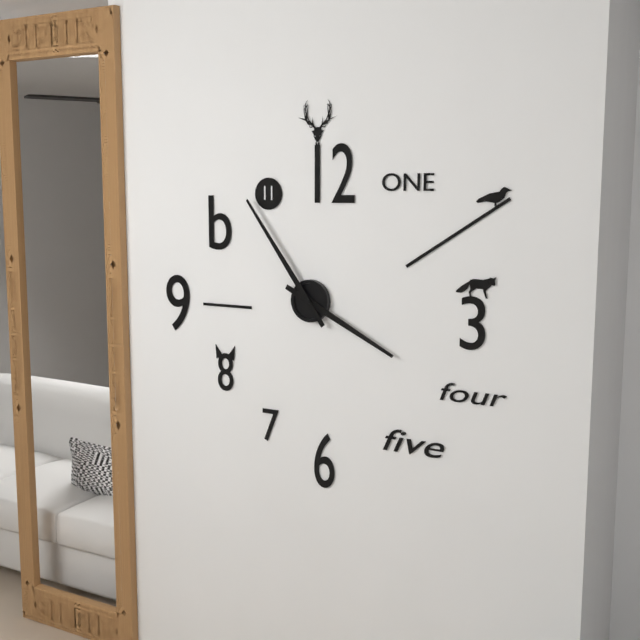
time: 3:54
